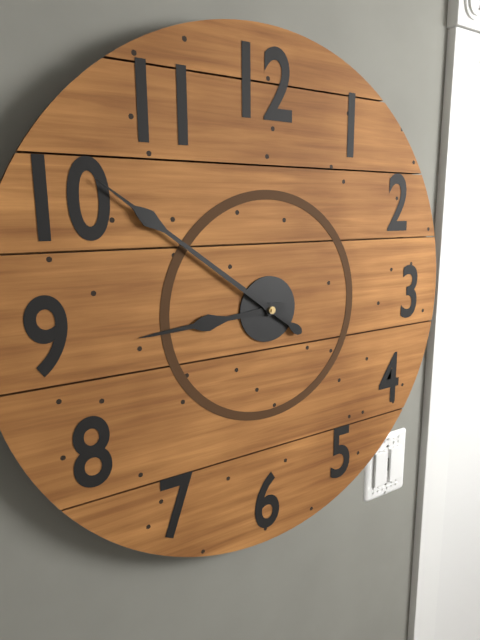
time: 8:51
